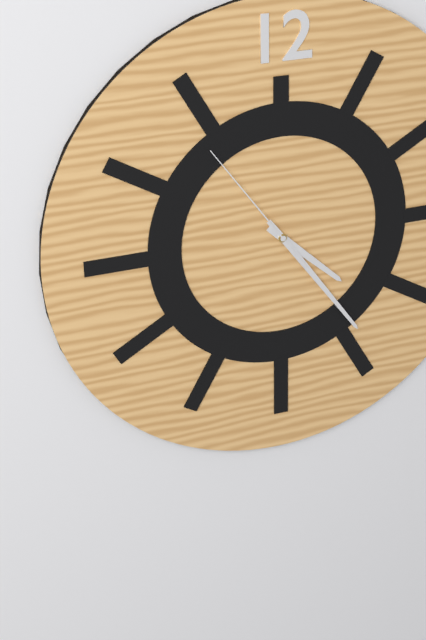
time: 4:24:54
